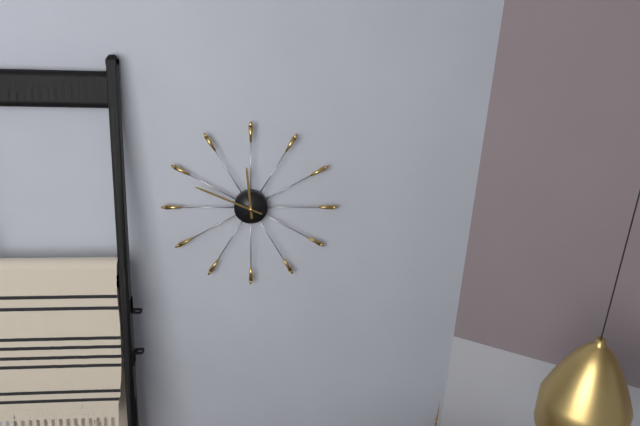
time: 11:49
